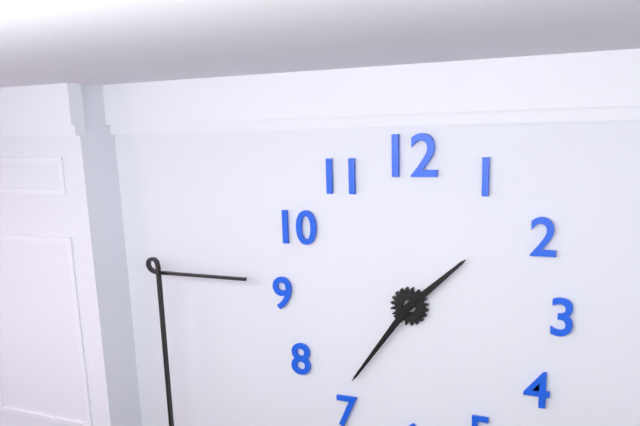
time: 1:36
